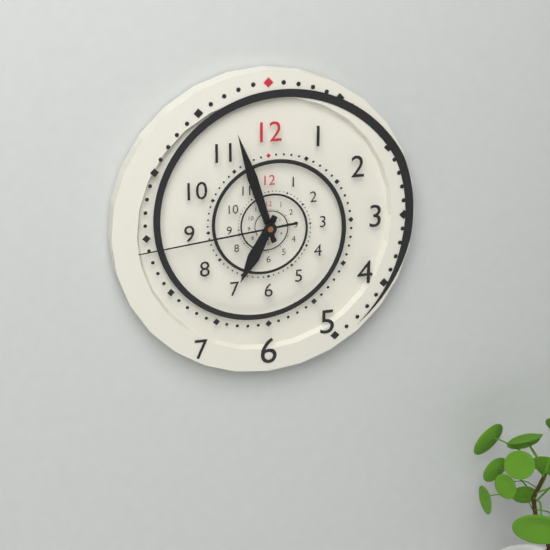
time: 6:57:44
